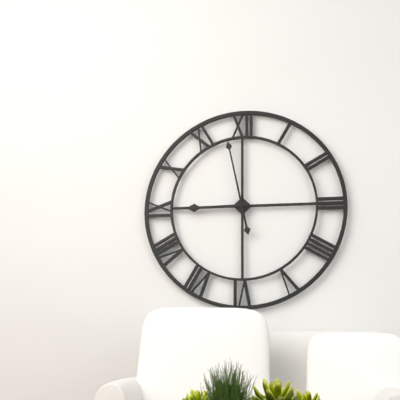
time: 8:58
